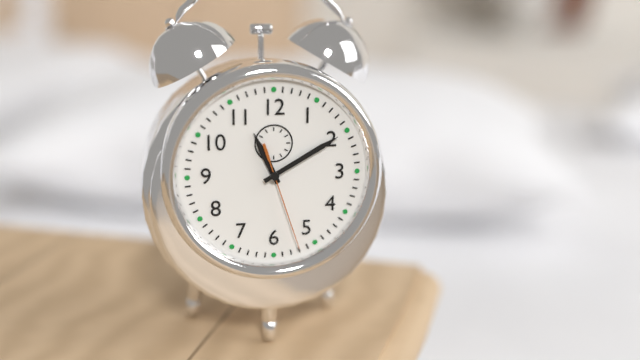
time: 11:10:27
